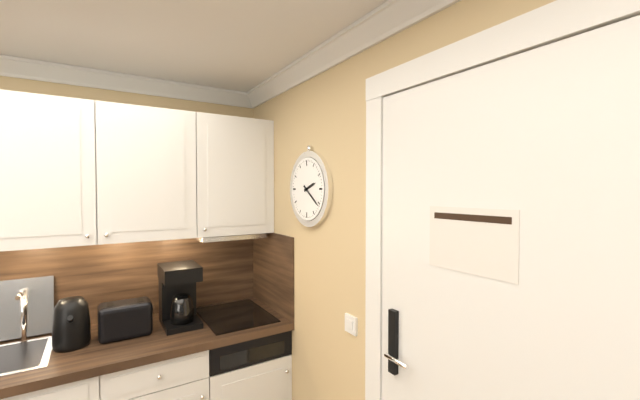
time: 2:21
